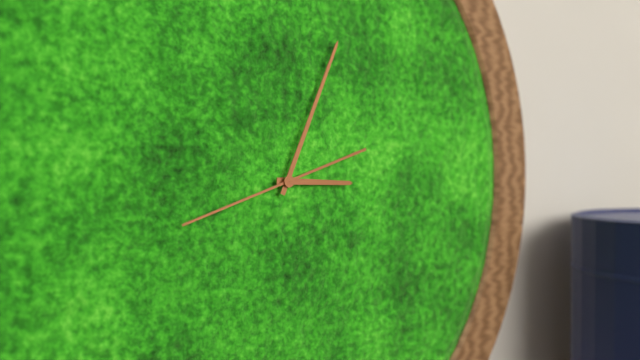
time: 3:04:42
